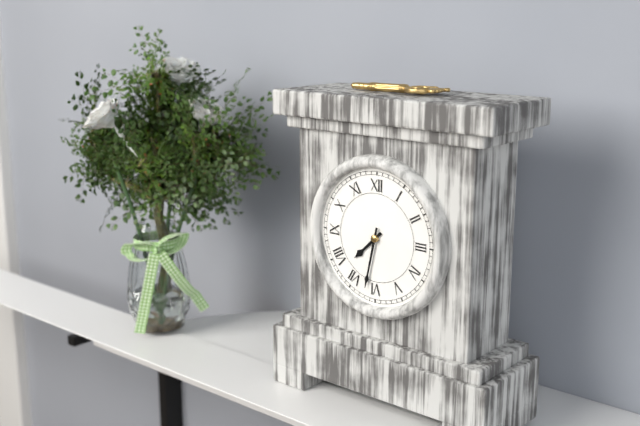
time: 7:32
